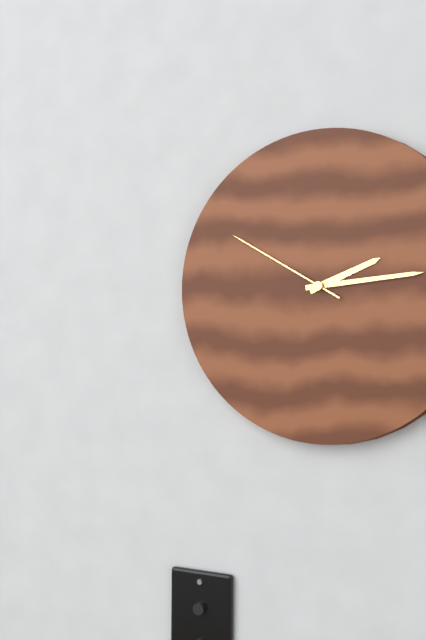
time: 2:14:50
